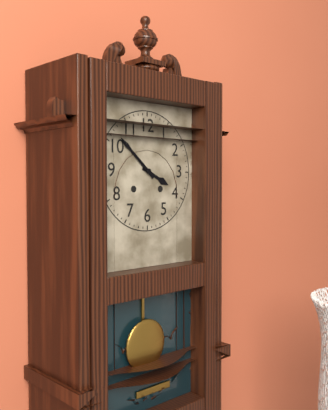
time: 3:52
